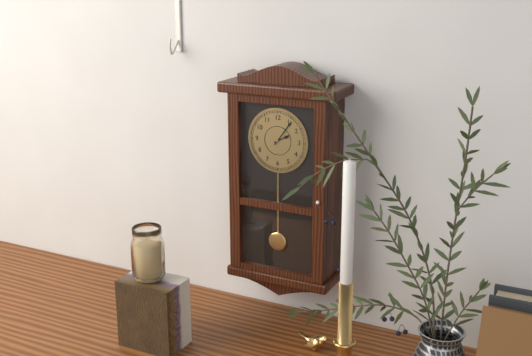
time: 2:06
